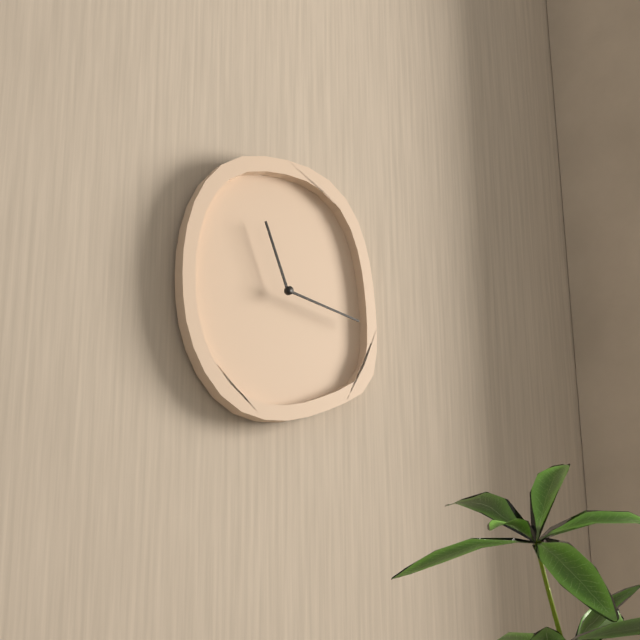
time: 11:17
